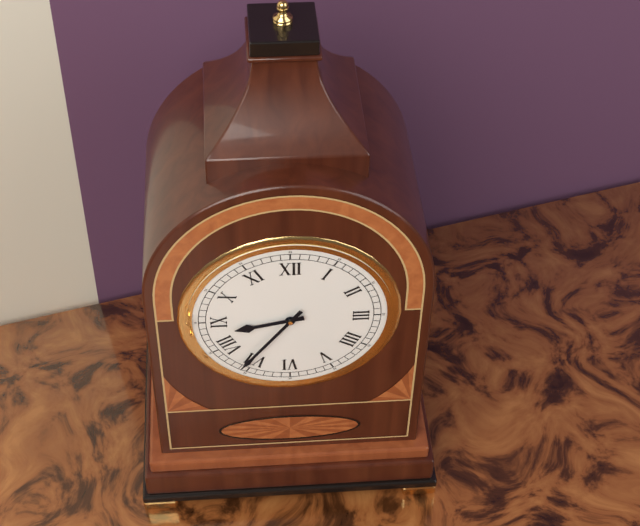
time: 8:36
